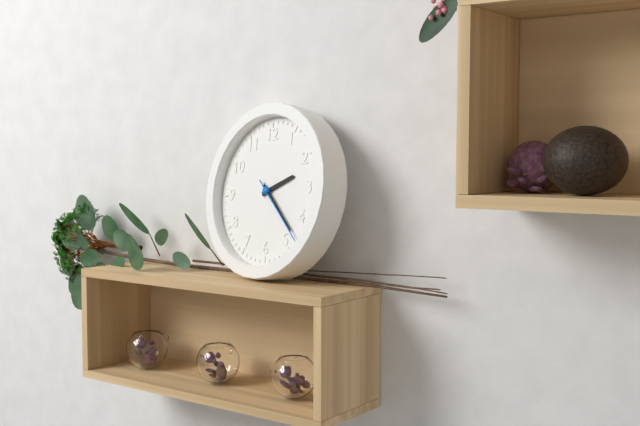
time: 2:23:23
